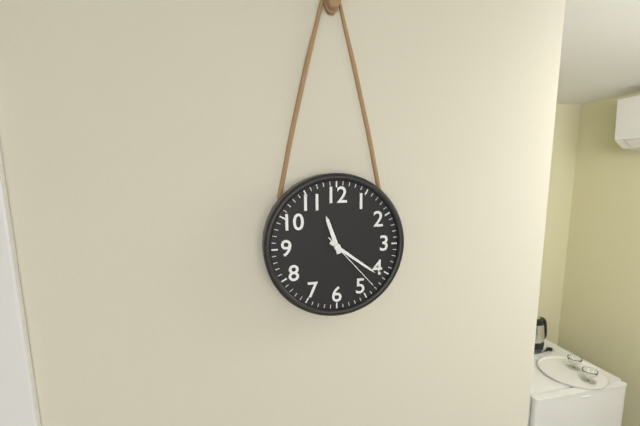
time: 11:21:23
